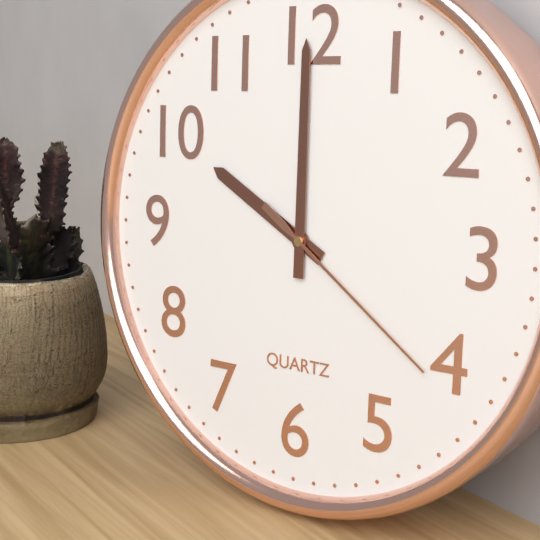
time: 10:00:21
